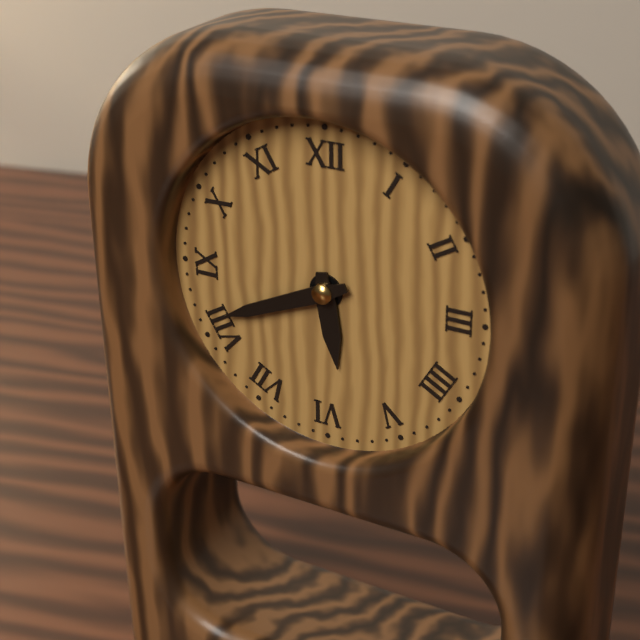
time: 5:41
